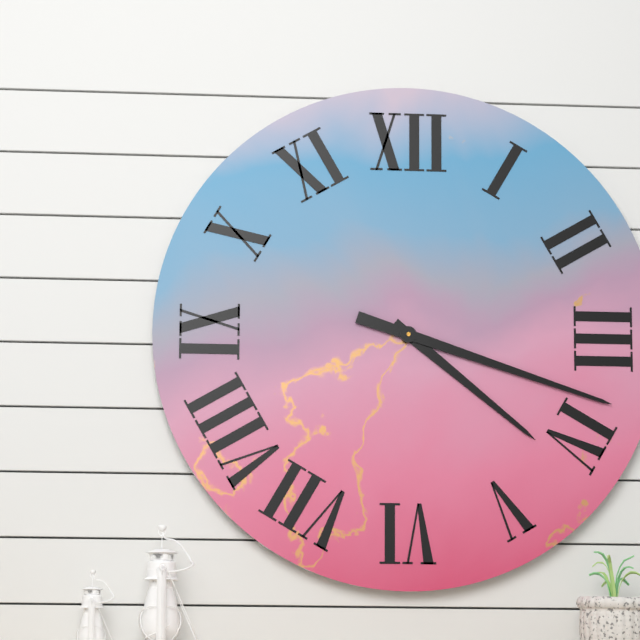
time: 4:18
